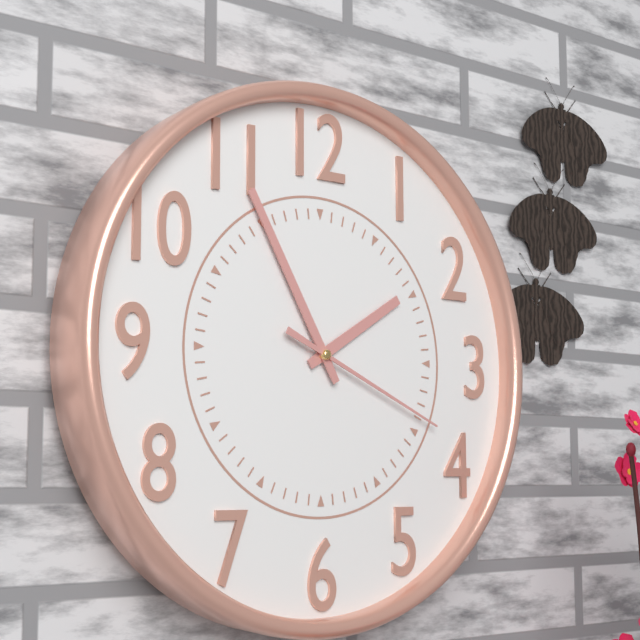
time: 1:55:19
